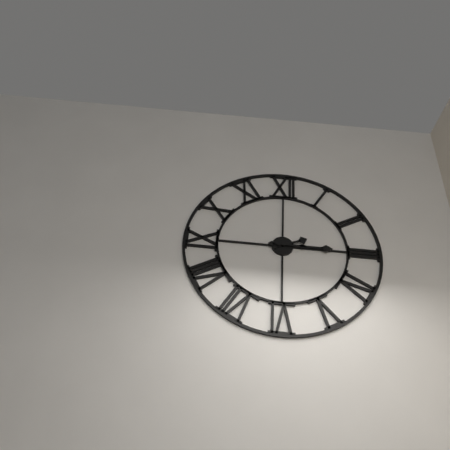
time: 2:15
